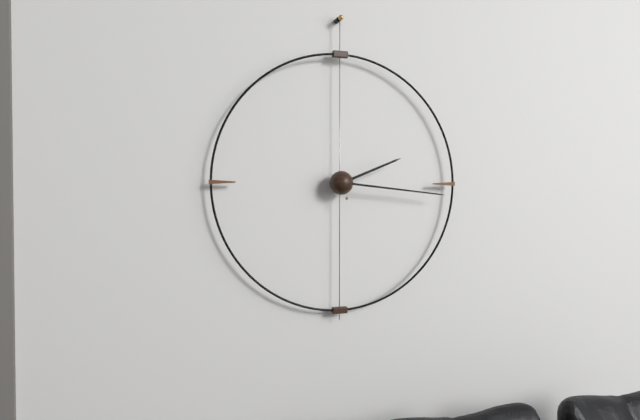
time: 2:16
